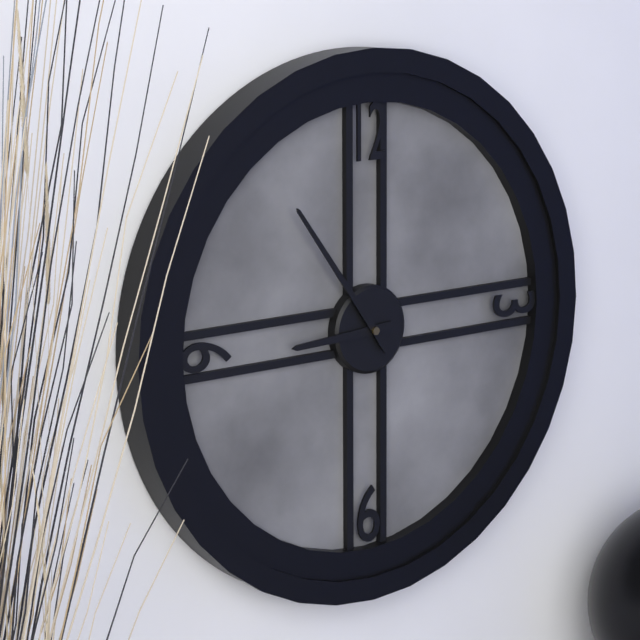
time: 8:54
